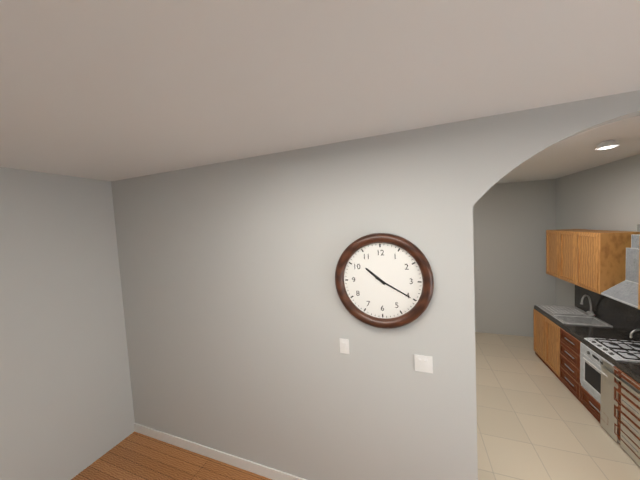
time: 10:20
